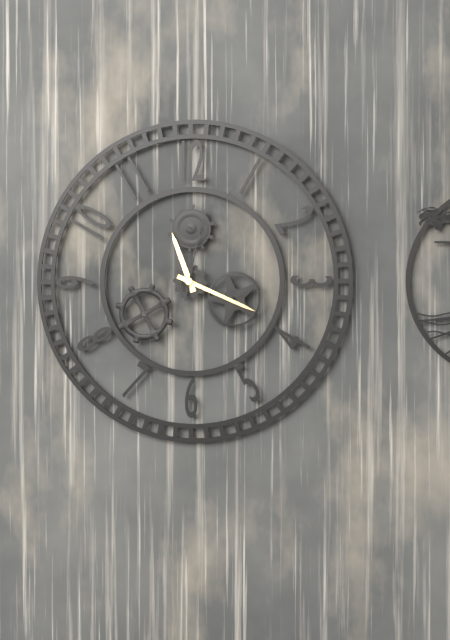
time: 11:19:02
